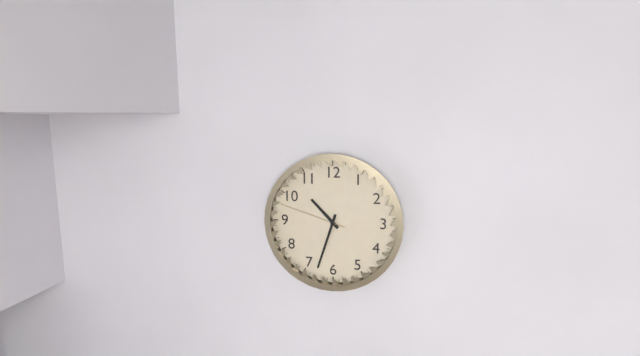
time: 10:33:48
